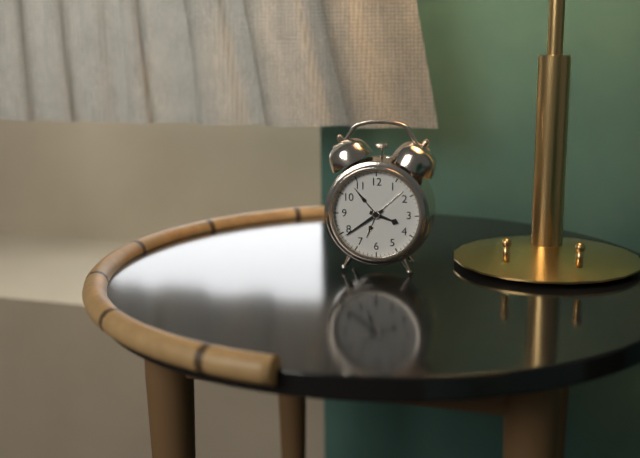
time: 3:39
